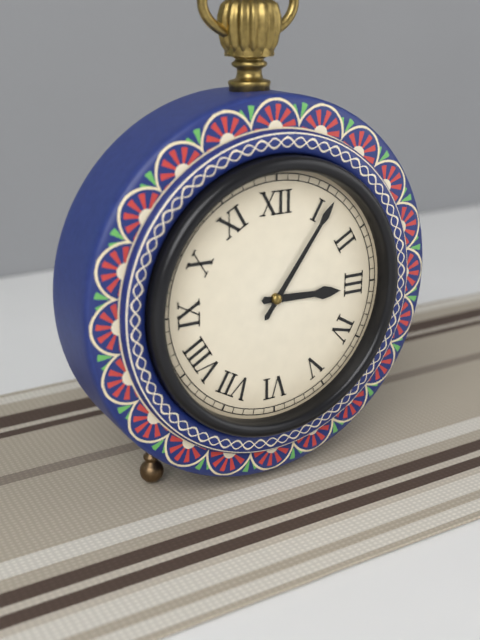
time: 3:06
